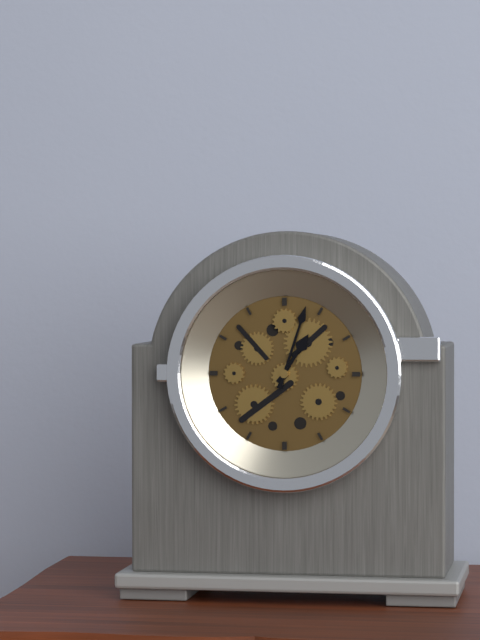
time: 1:03
